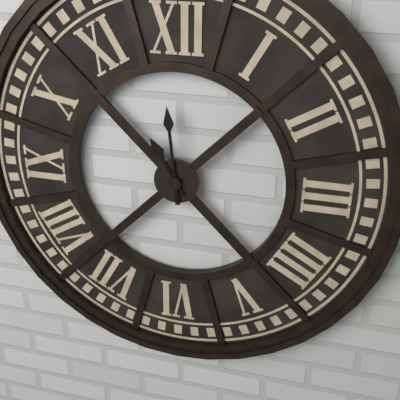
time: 10:59
